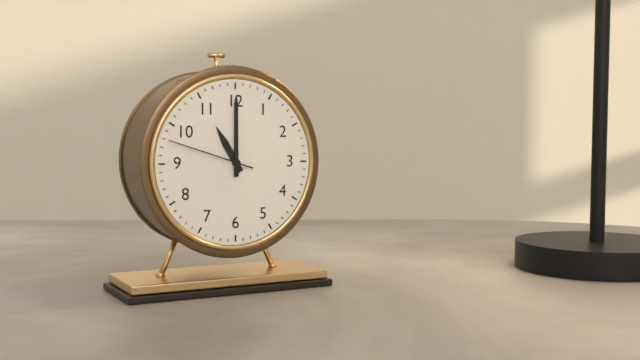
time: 11:00:48
